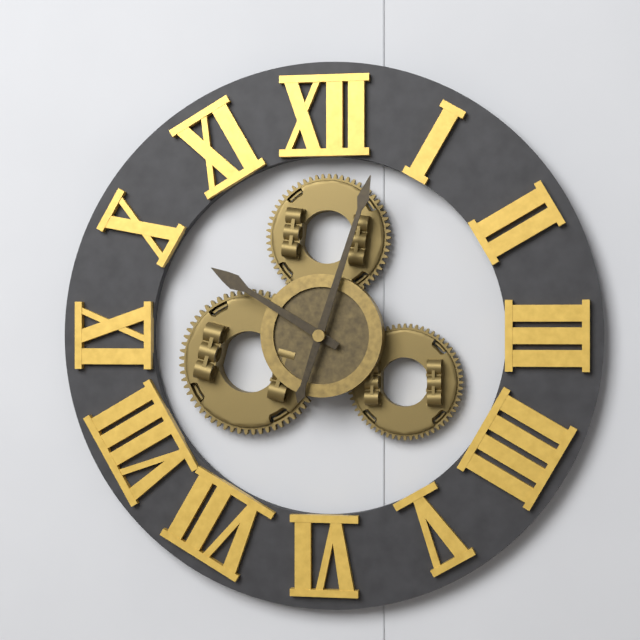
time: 10:03
